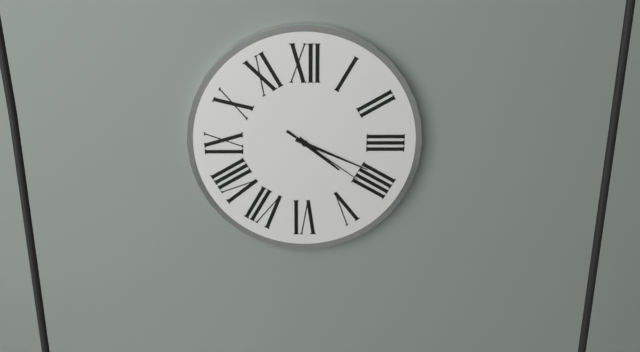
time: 4:19:21
